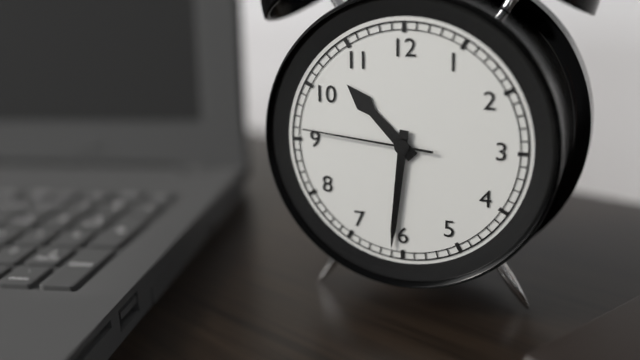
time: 10:31:46
